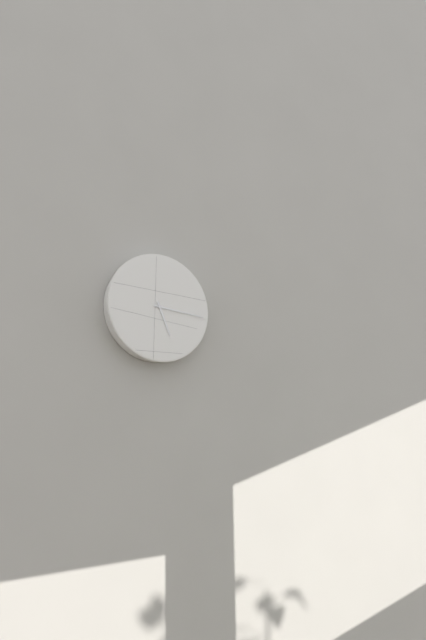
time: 5:16
